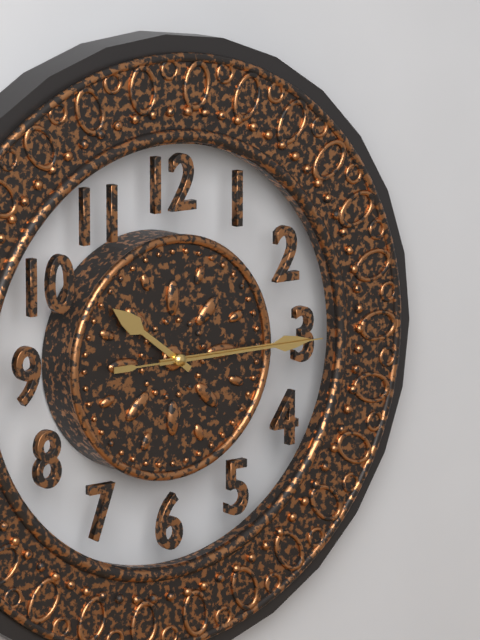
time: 10:15:15
